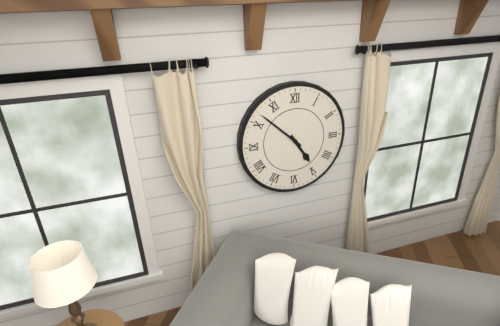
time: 4:52
